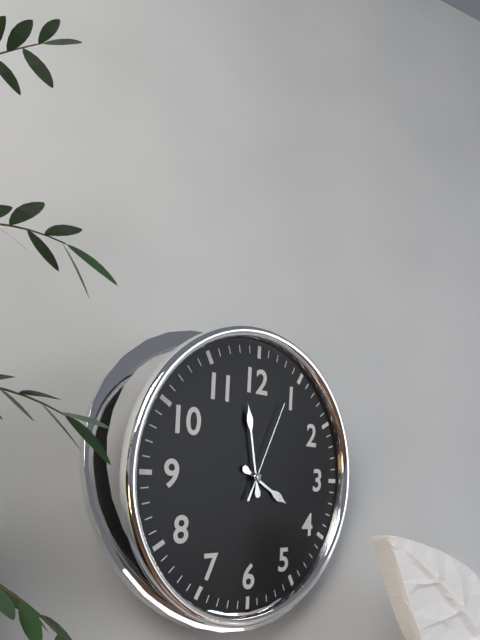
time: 3:58:04
